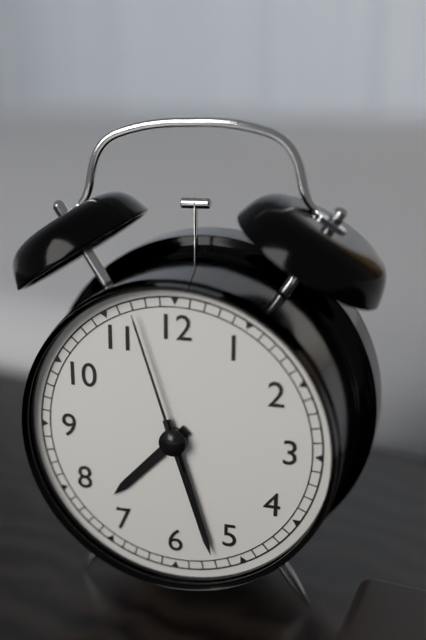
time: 7:27:57
